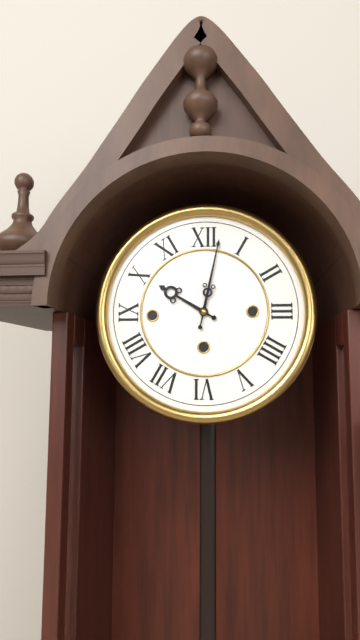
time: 10:02
